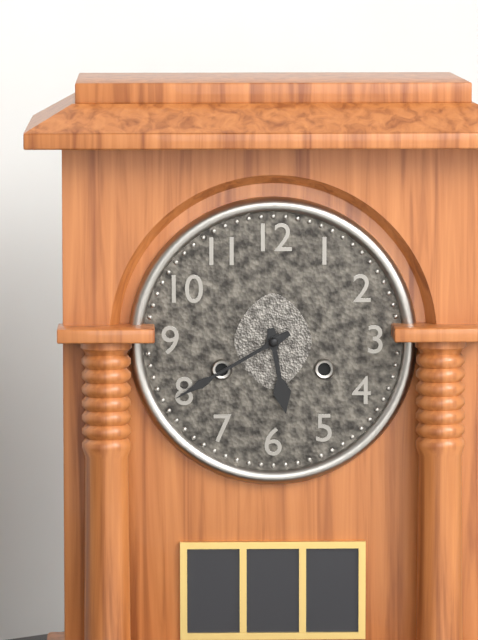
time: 5:40
